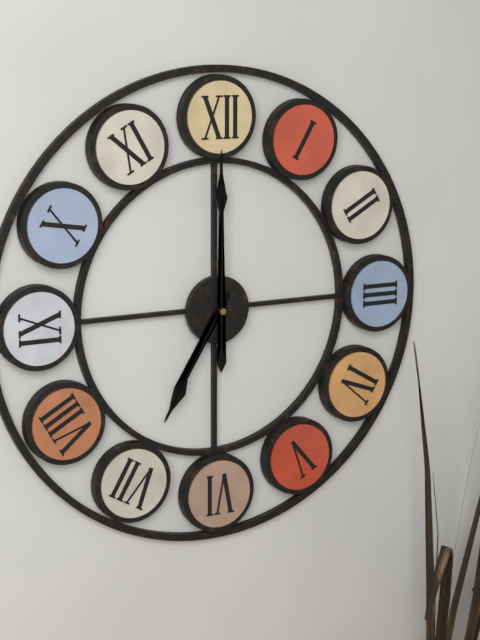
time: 7:00
